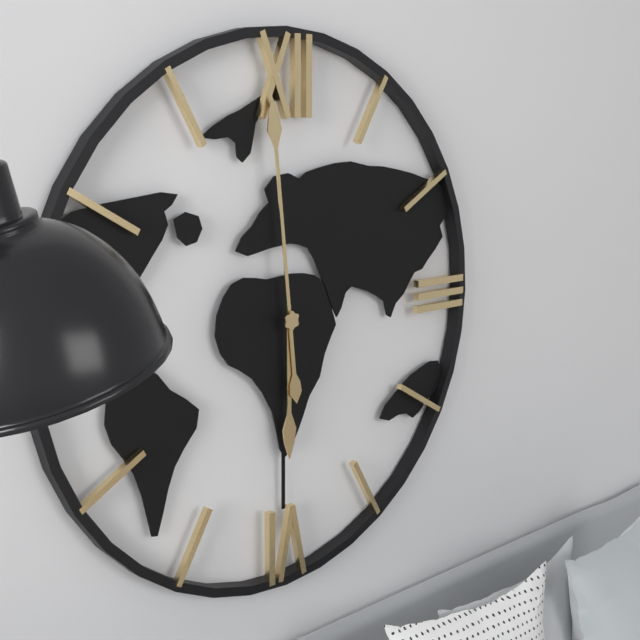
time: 5:59
